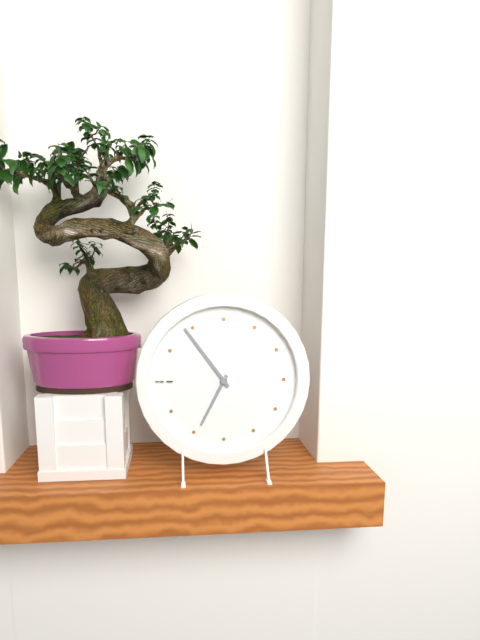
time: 6:54
